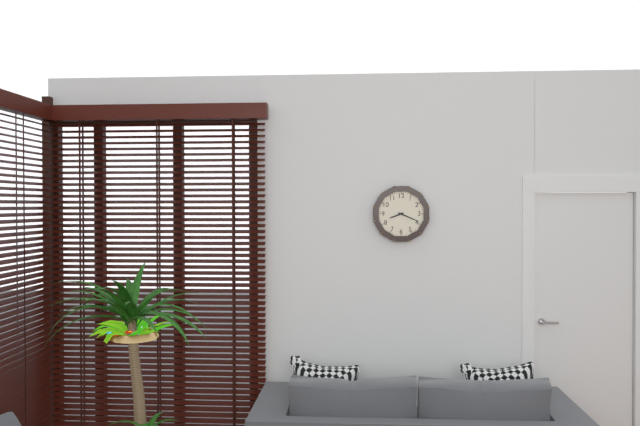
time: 8:19
